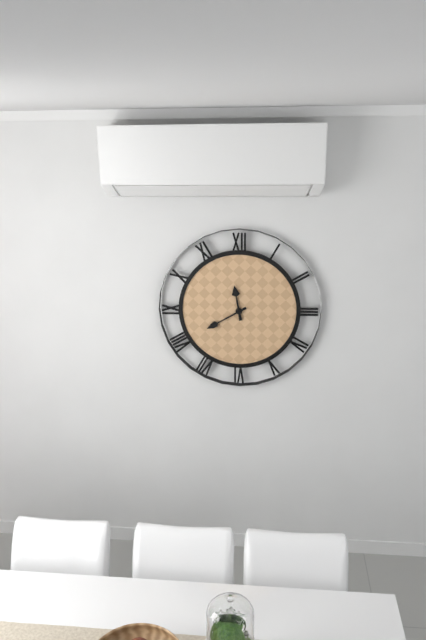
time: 11:40
